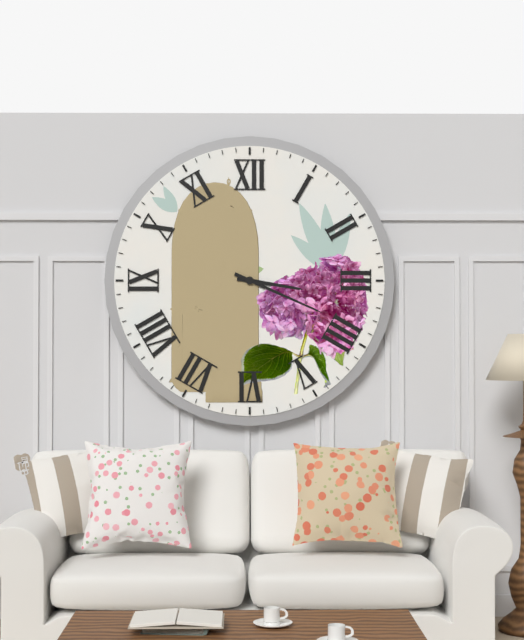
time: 3:19
